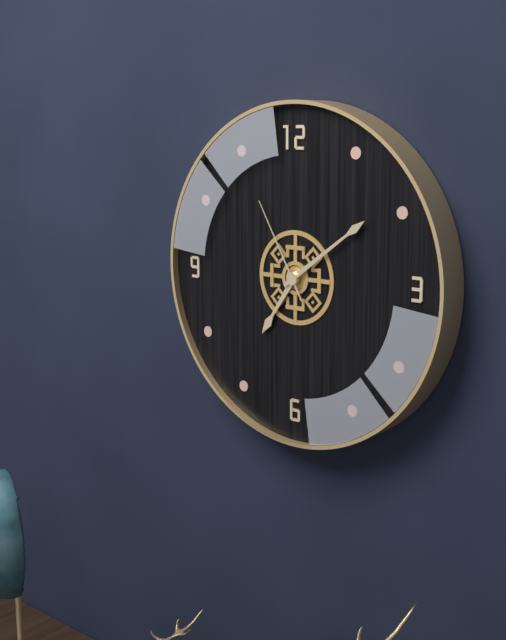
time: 7:09:55
